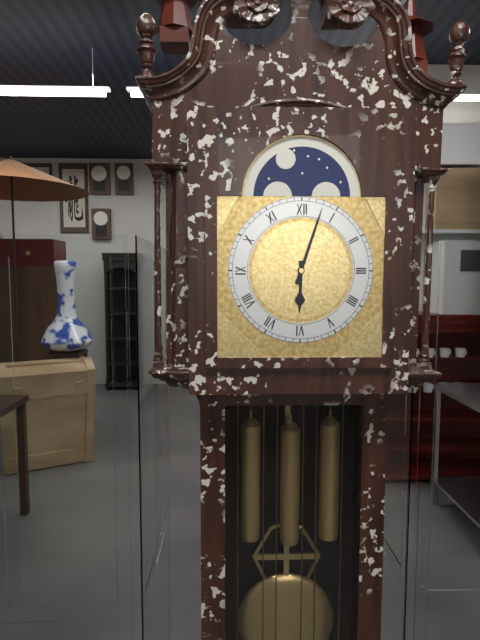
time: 6:03
